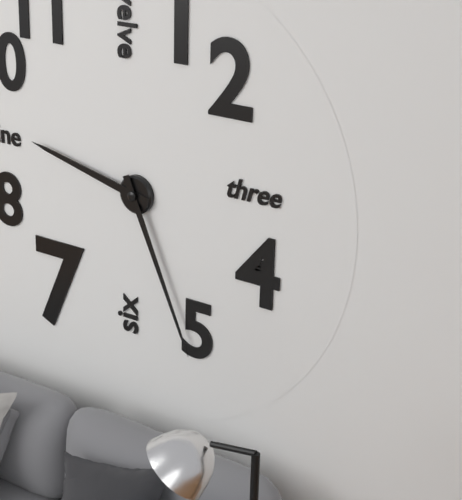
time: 9:26
